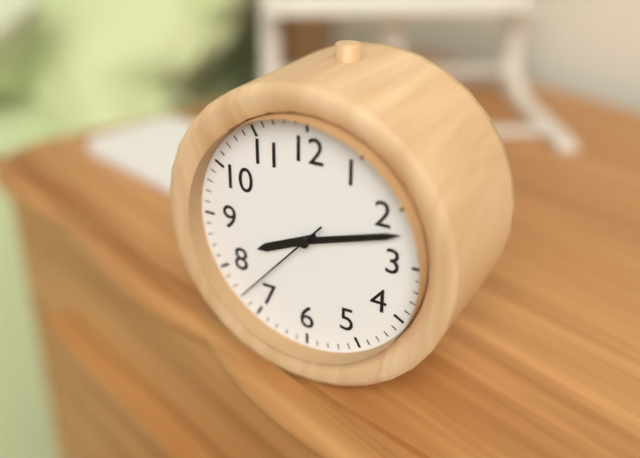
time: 8:12:37
